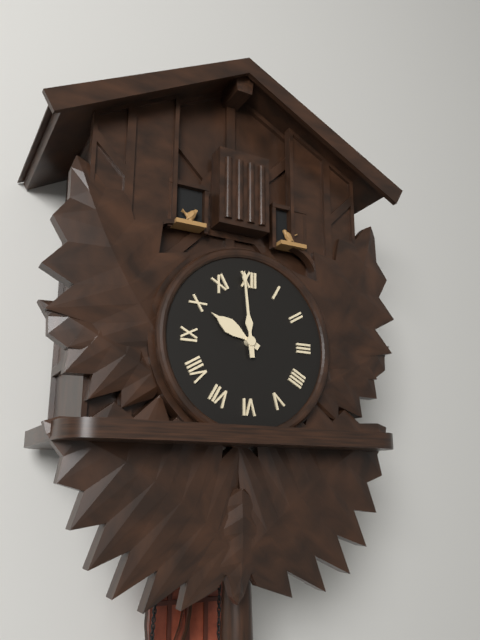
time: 9:59
